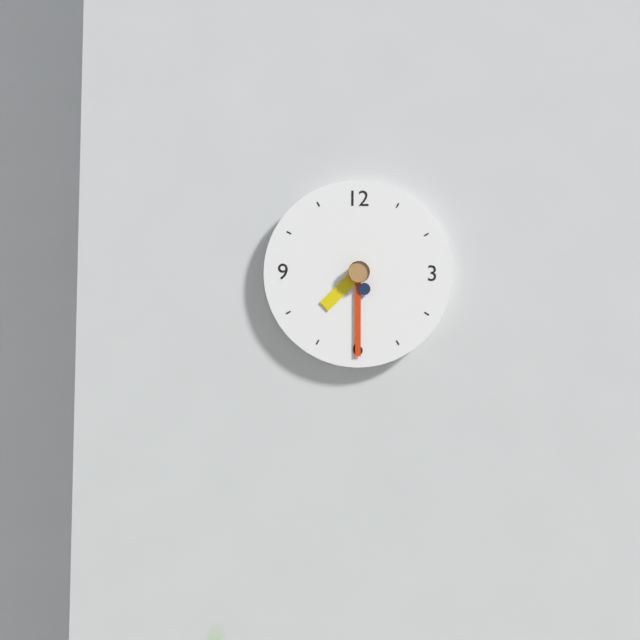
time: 7:30
